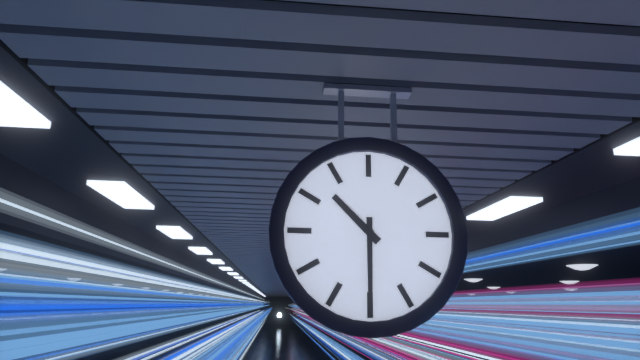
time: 10:30
